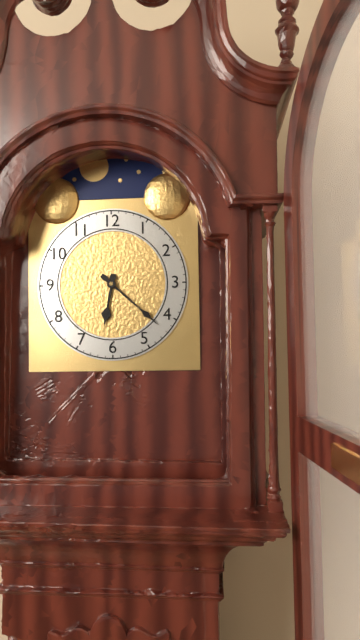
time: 6:22
